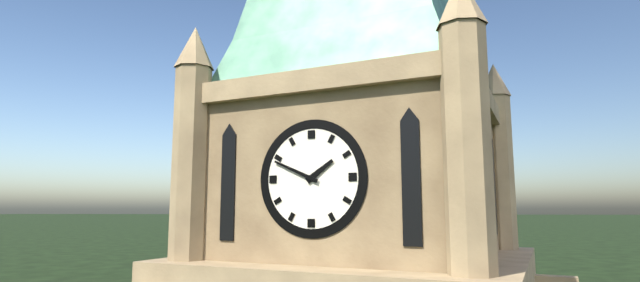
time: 1:49
